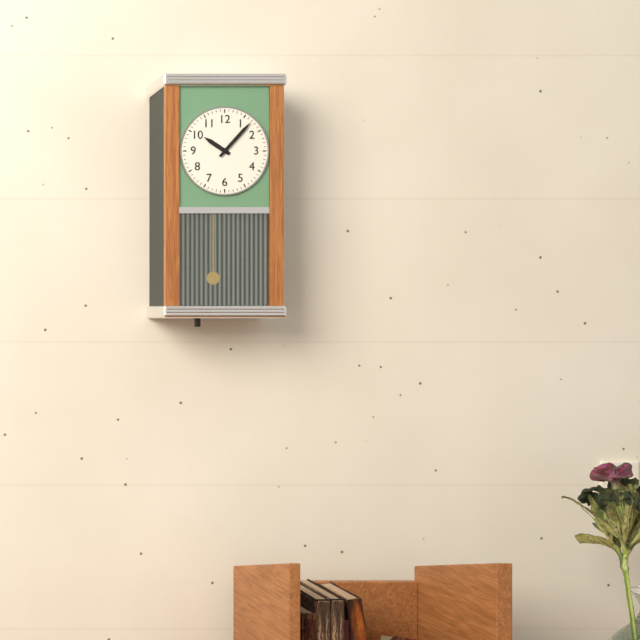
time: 10:07
